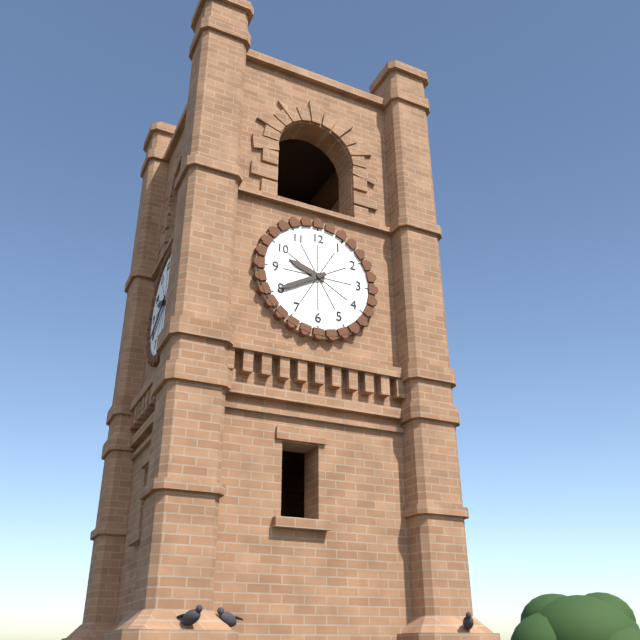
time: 9:40
